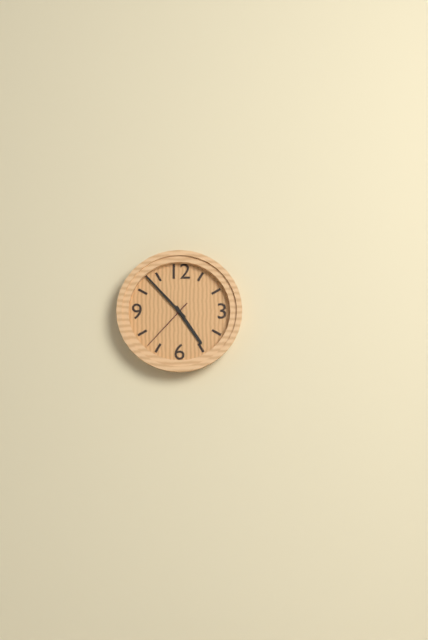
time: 4:53:37
